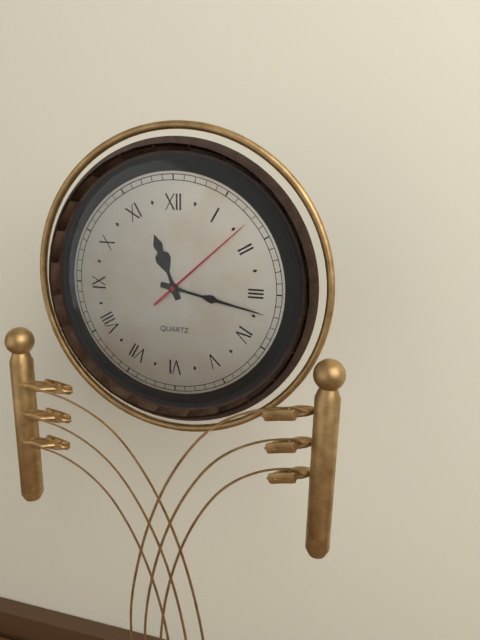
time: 11:17:08
